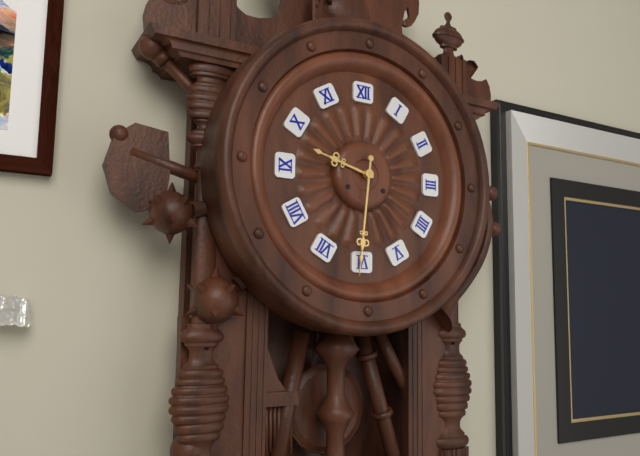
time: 9:31
